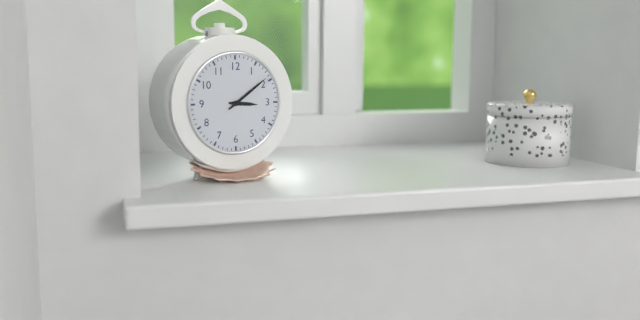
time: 3:09
